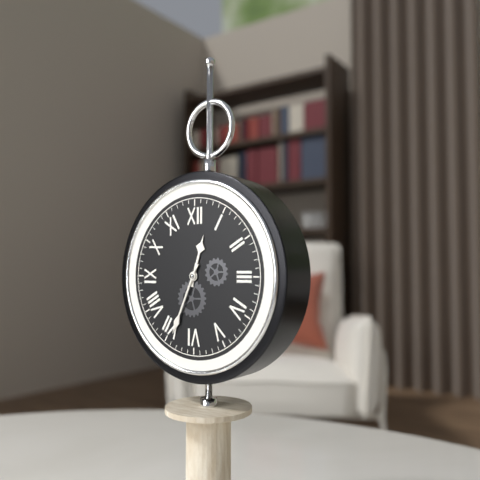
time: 12:34
